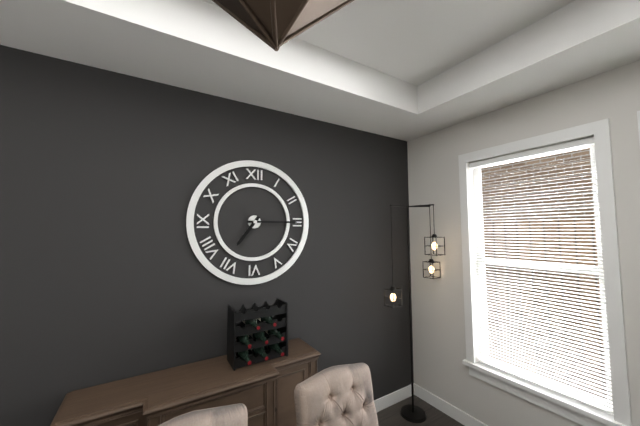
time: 7:15
